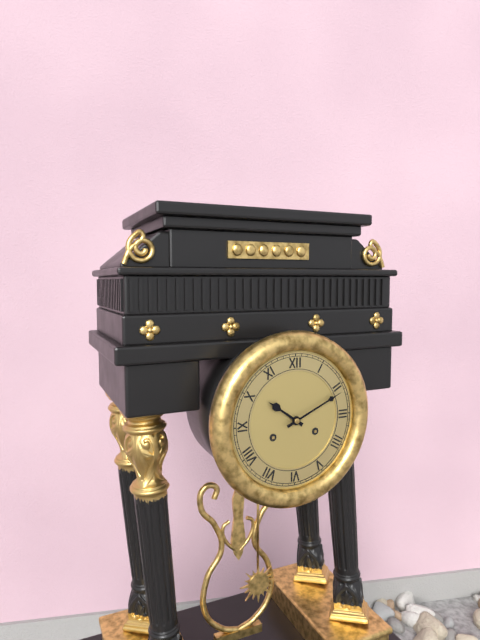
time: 10:11
